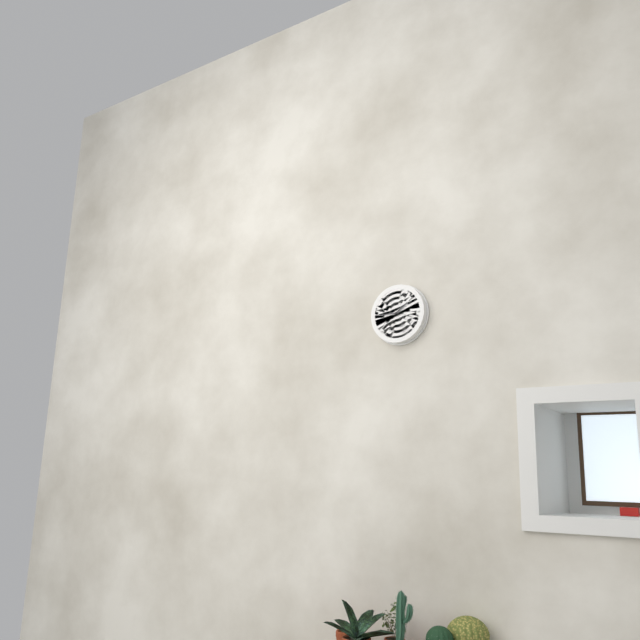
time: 1:45
